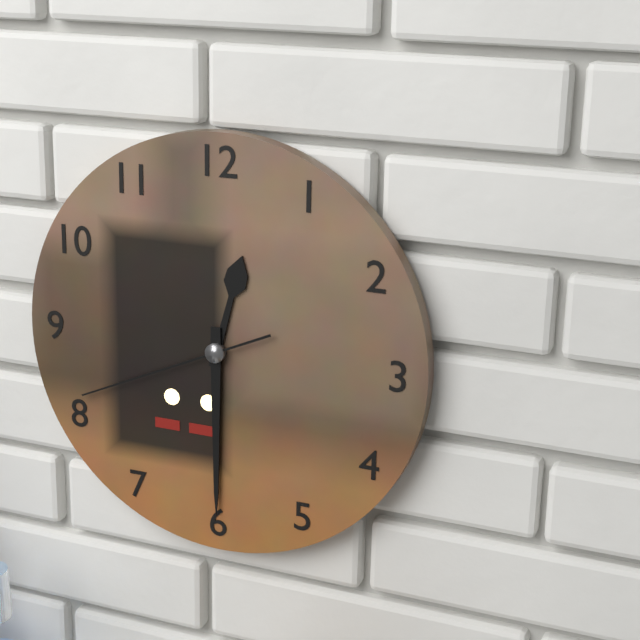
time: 12:30:41
